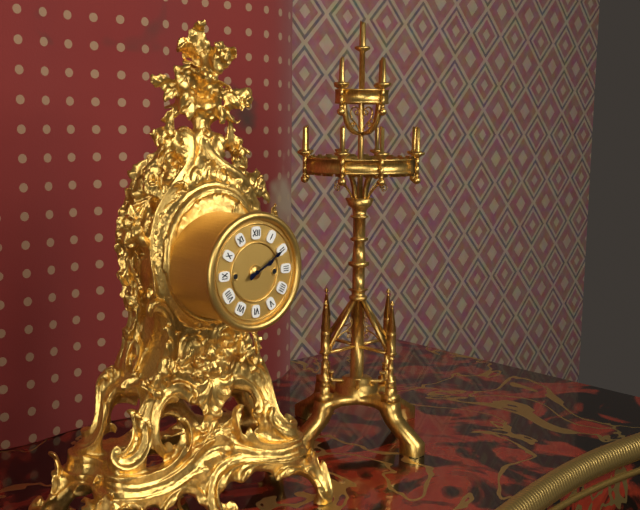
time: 2:10
